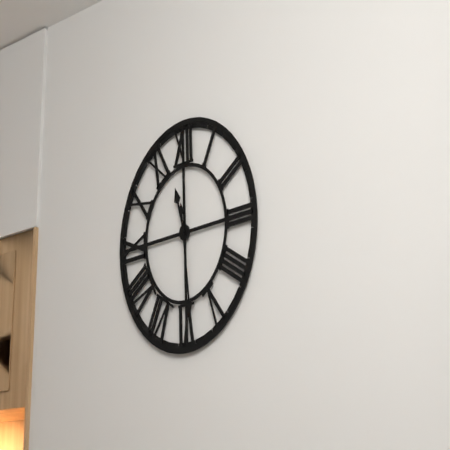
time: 11:29
